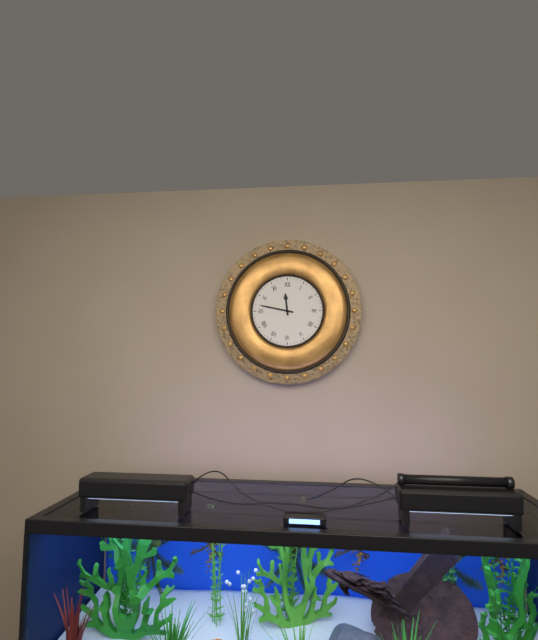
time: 11:47
